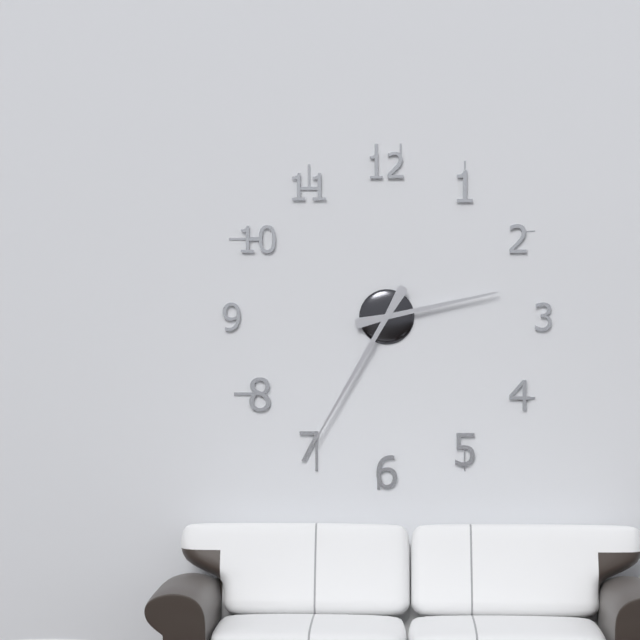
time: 2:35
